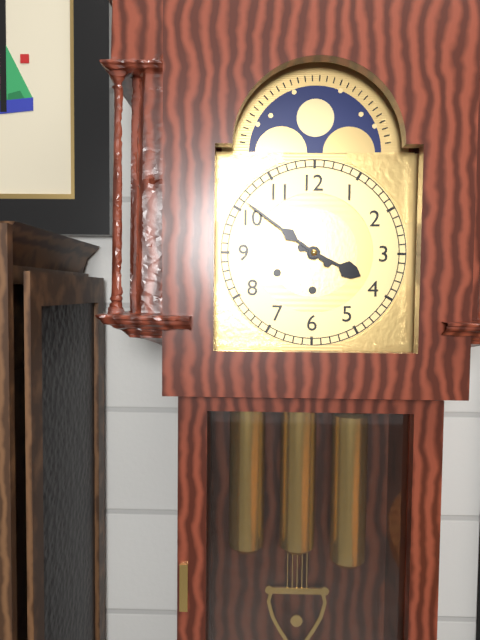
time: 3:51
